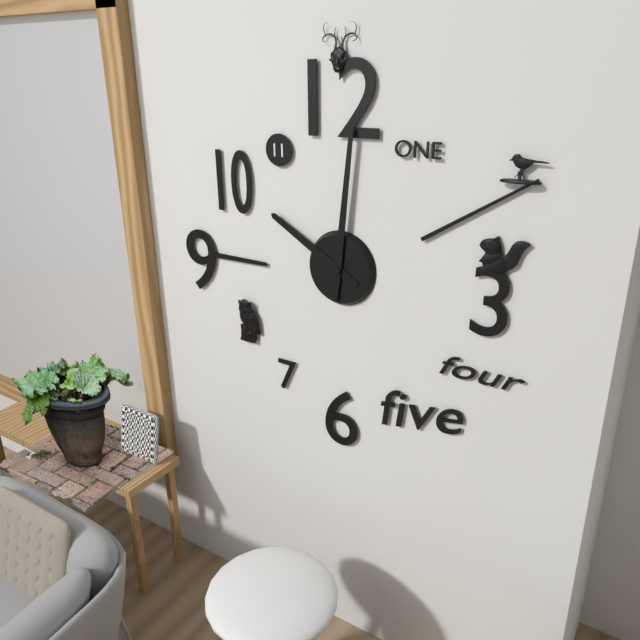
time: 10:01
